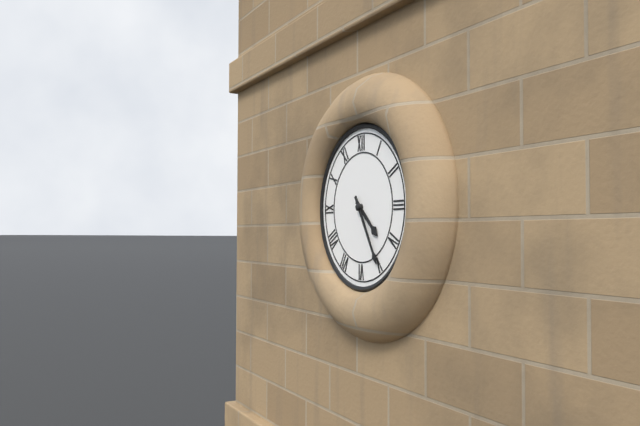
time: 4:25
